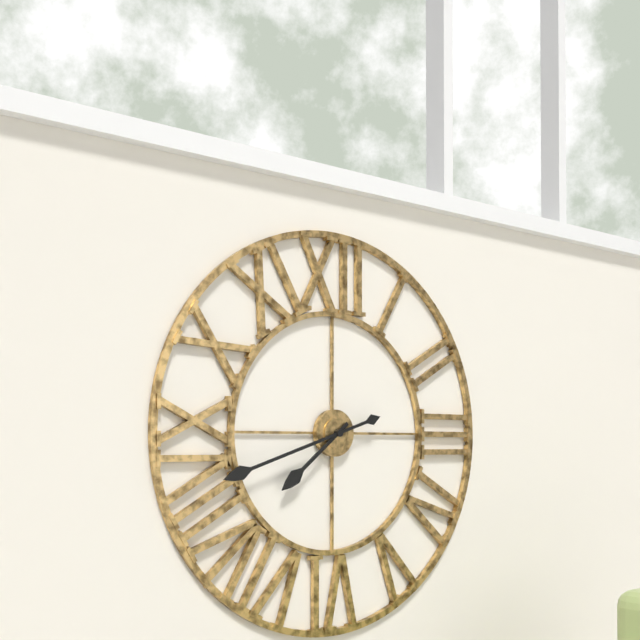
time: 7:42
